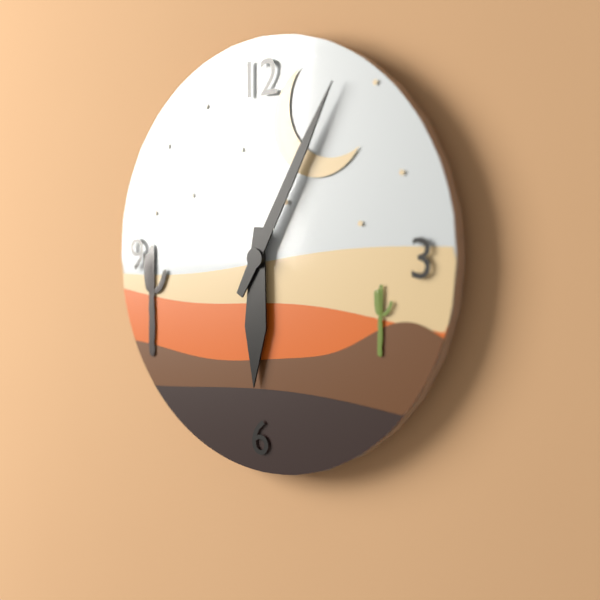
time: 6:05
